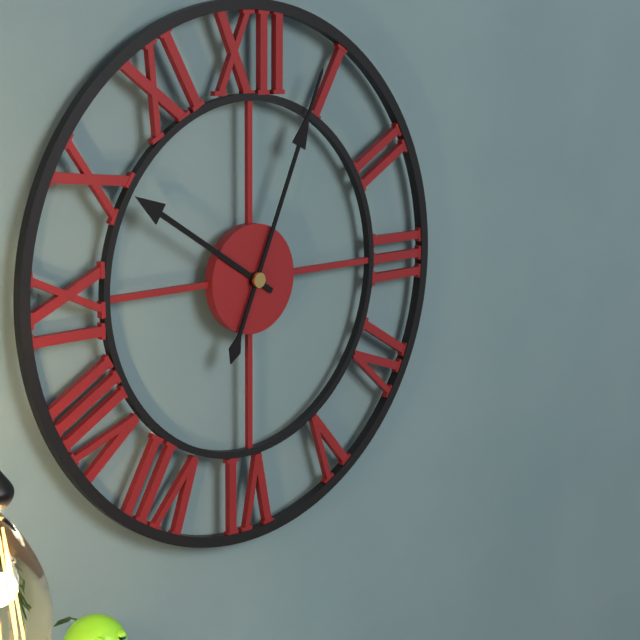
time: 10:04
